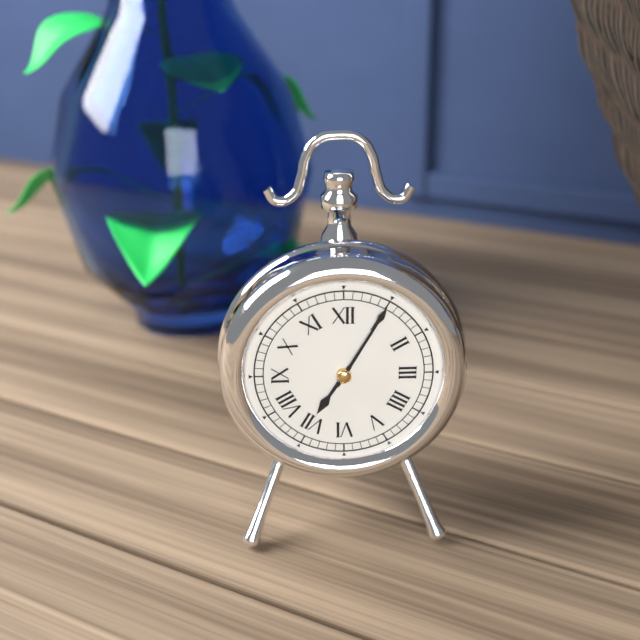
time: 7:05
